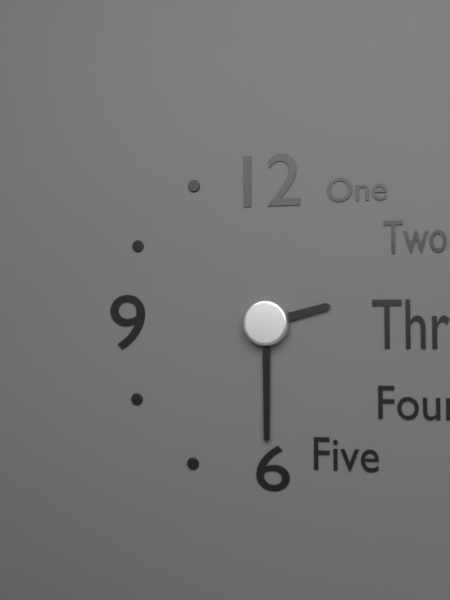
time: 2:30
